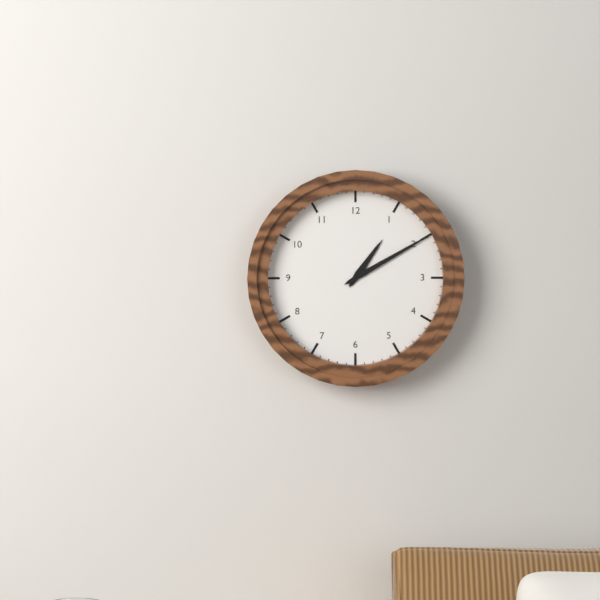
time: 1:10
